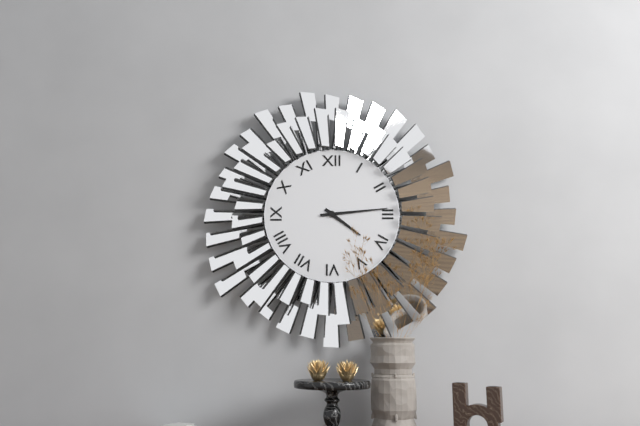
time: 4:14
